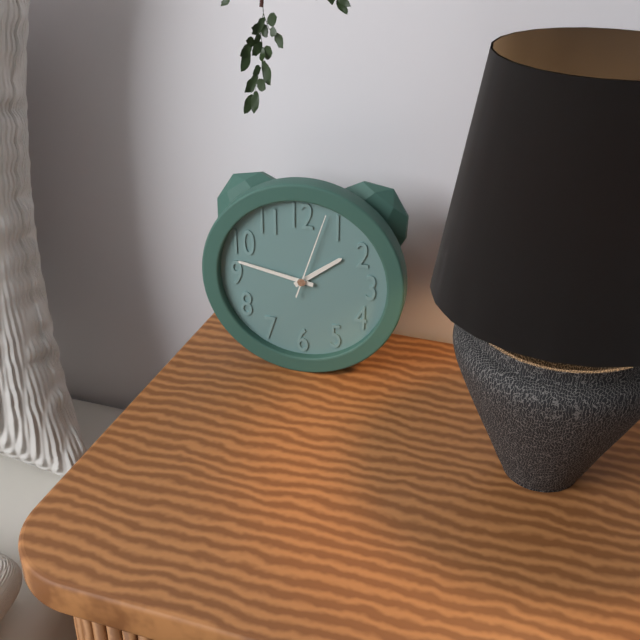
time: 1:47:03
